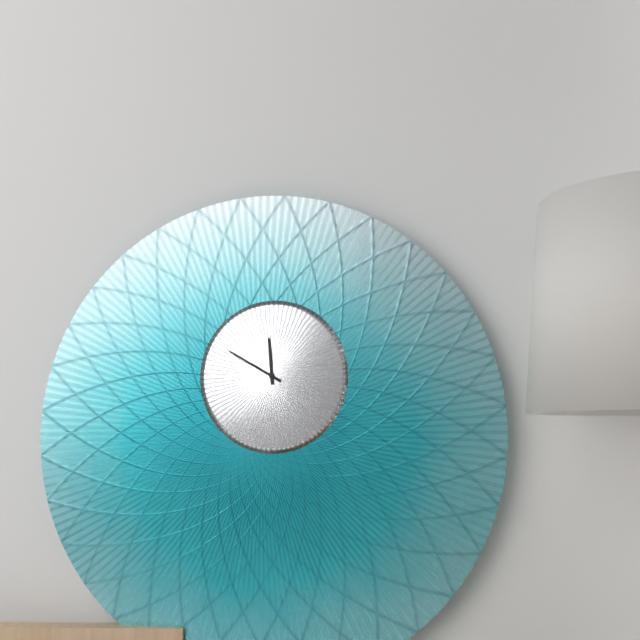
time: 11:50
